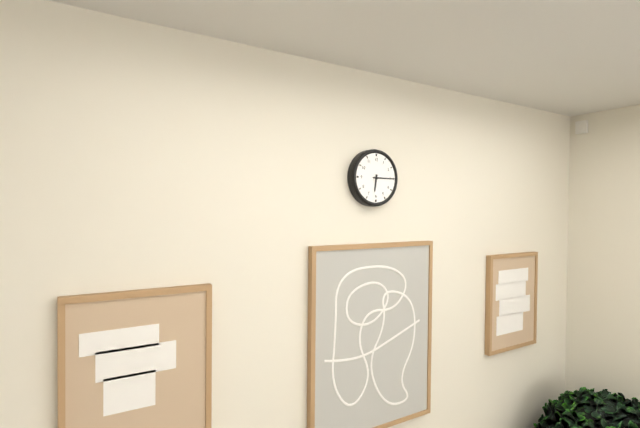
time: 6:15
